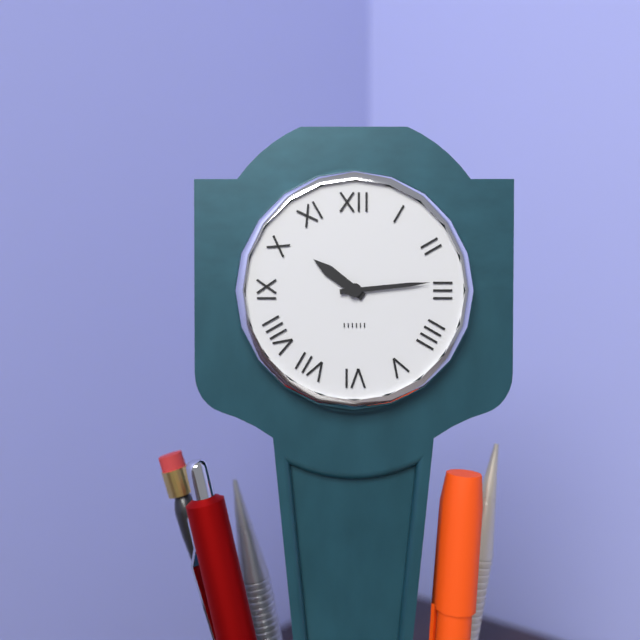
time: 10:14
